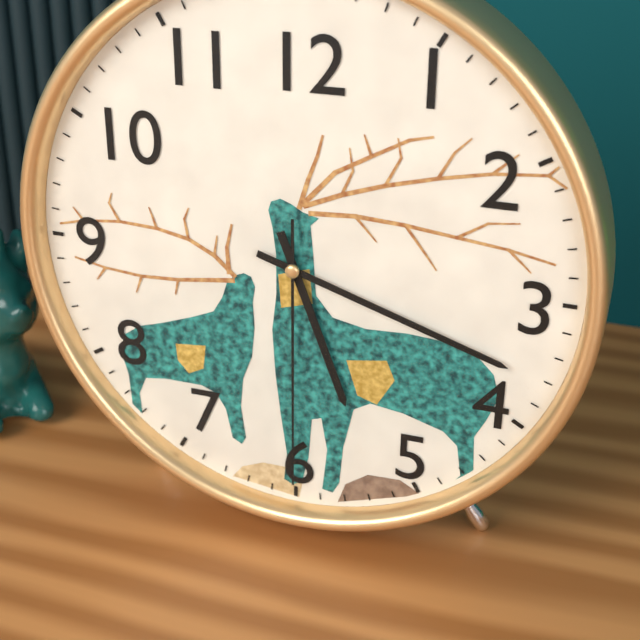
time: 5:18:30
